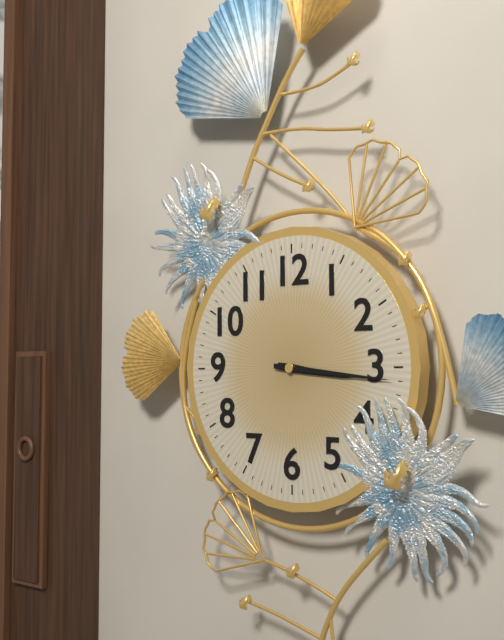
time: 3:16
